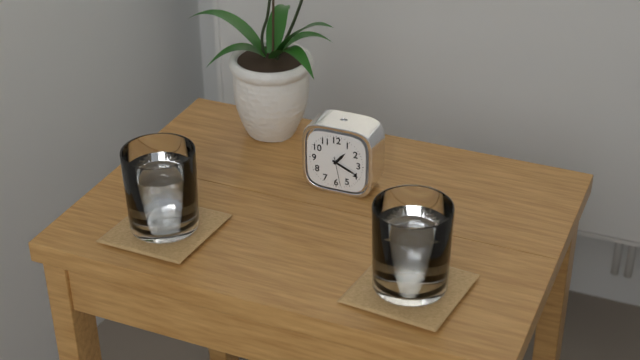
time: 1:19
